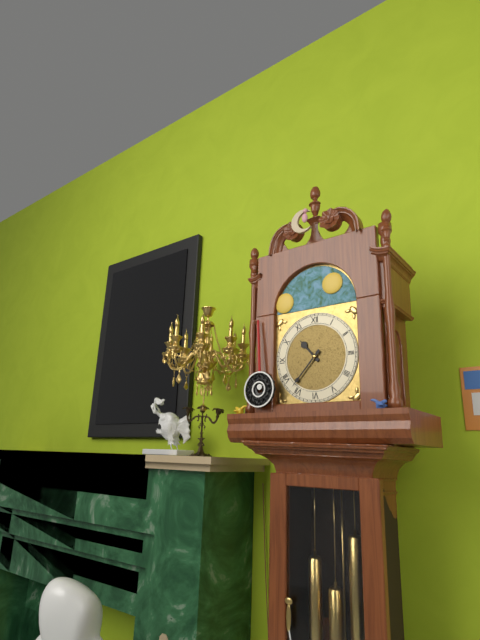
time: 10:37
